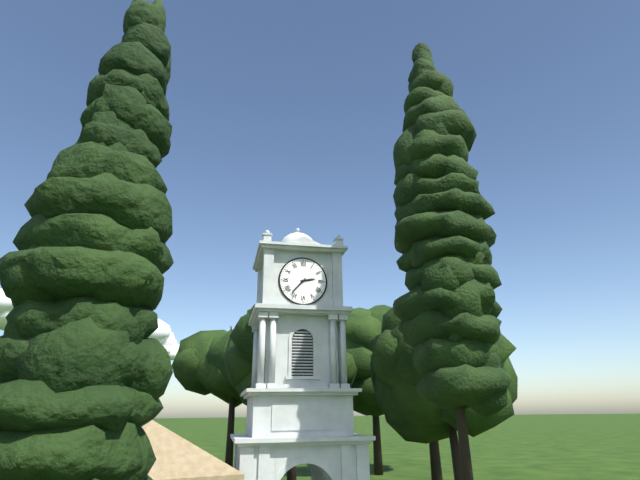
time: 2:37
